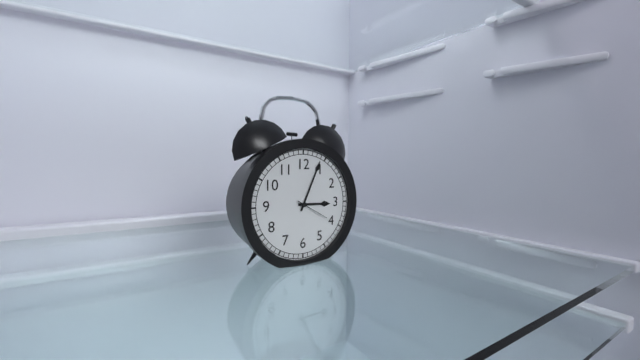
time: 3:04
